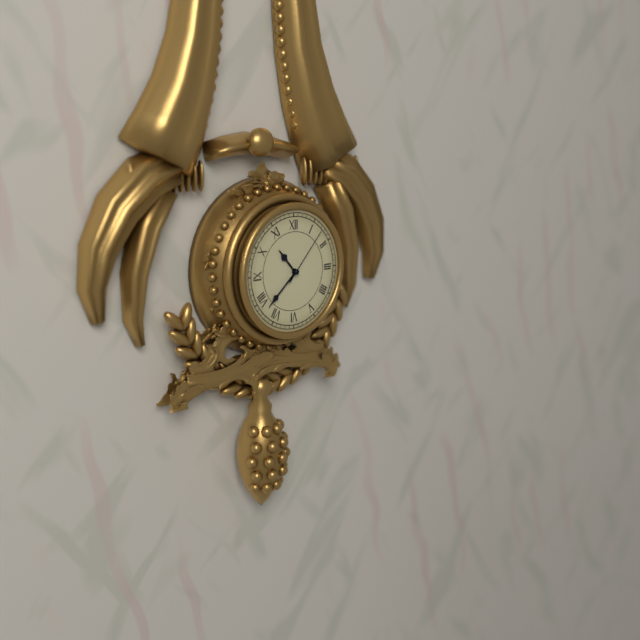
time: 10:38:07
